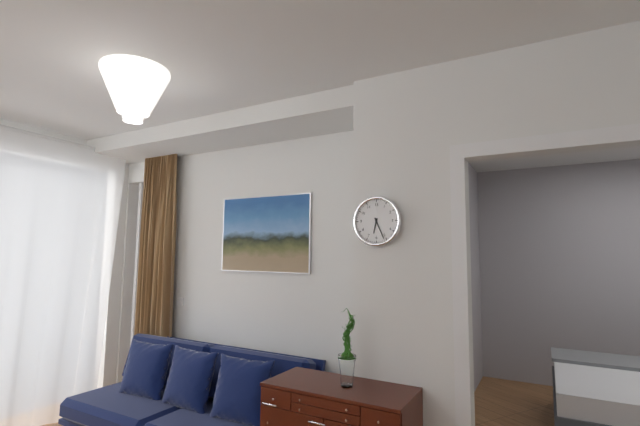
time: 6:26
